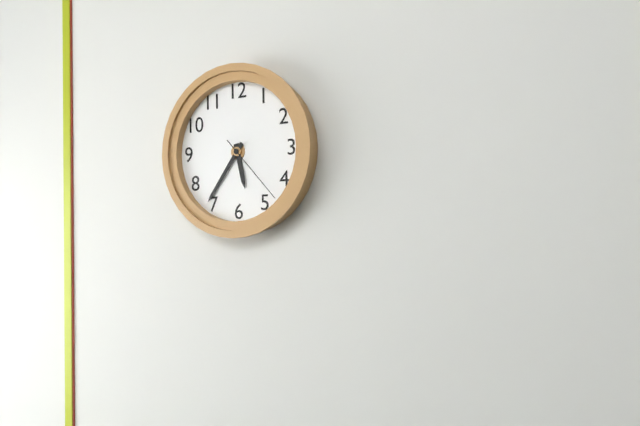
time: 5:36:23
